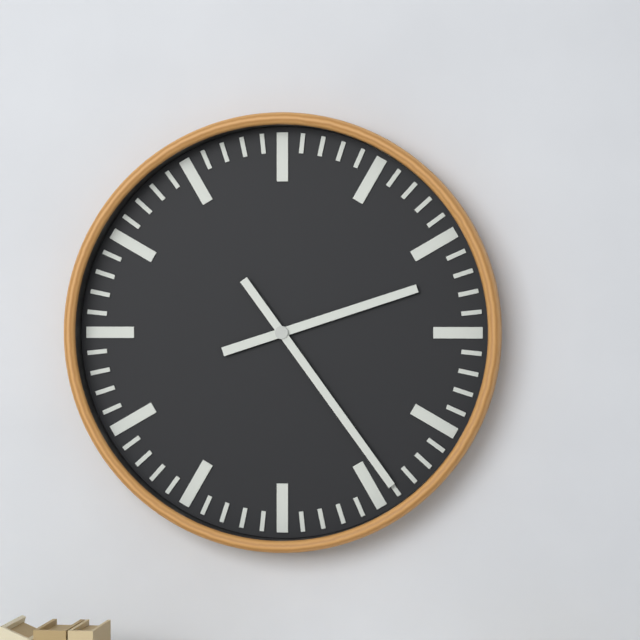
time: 2:24
